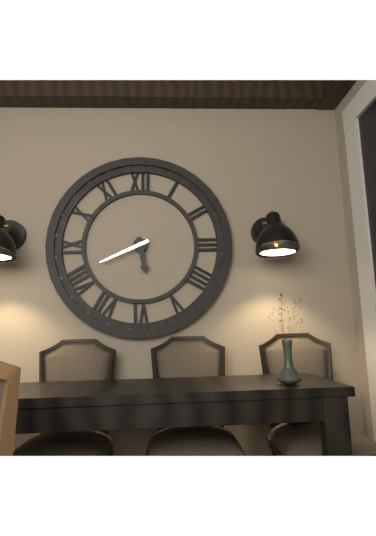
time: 5:41
